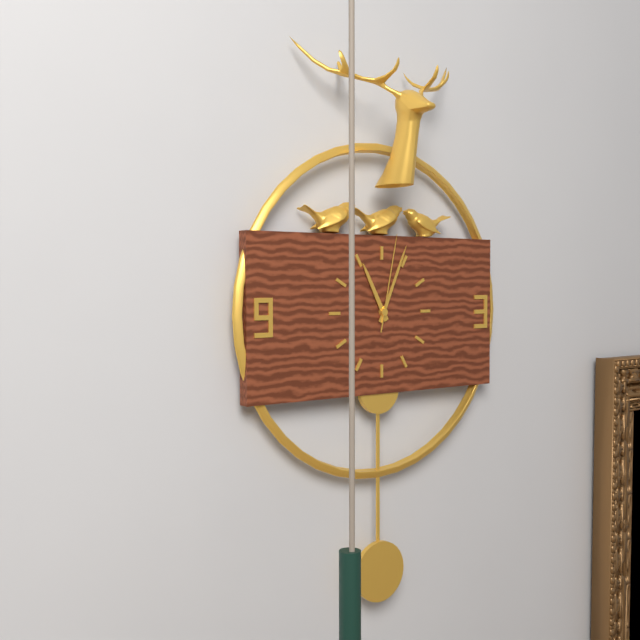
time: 11:04:02
